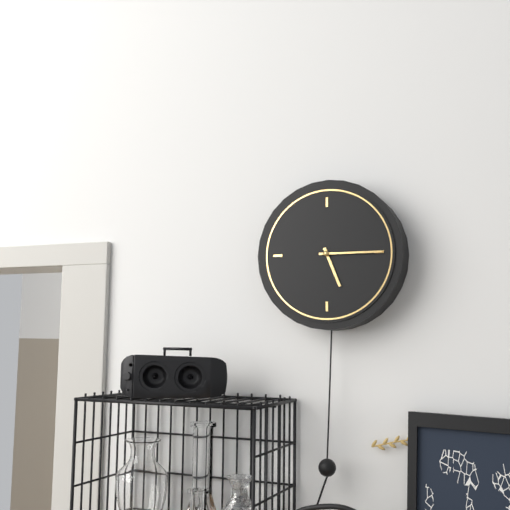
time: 5:15
